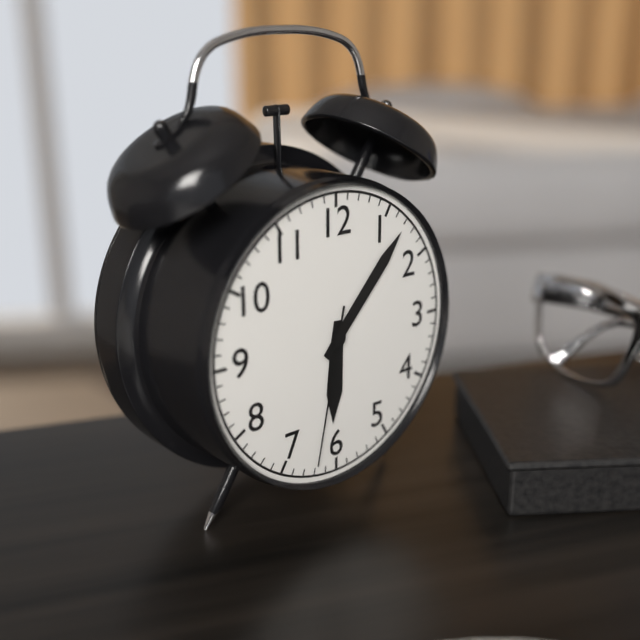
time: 6:07:32
